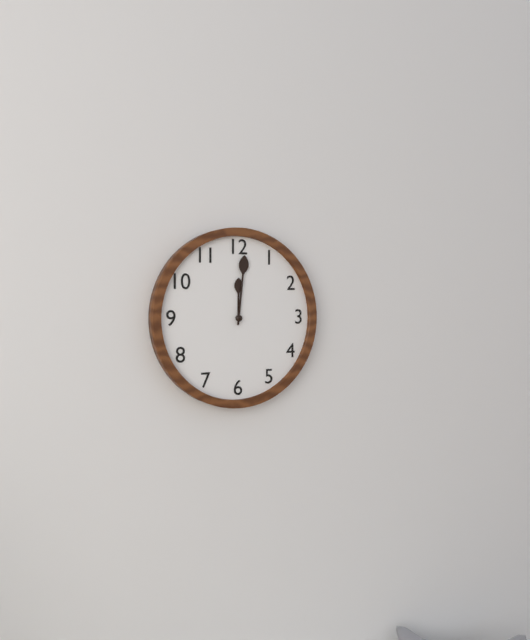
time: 12:01
